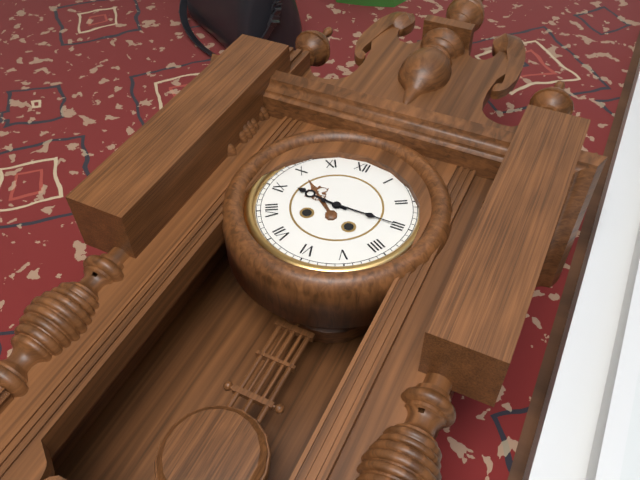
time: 9:15
